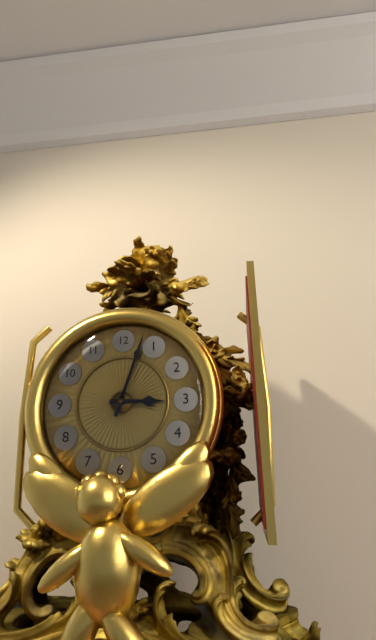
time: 3:03
